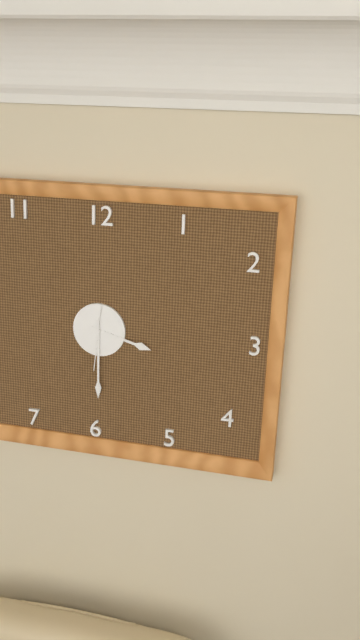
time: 3:30:31
